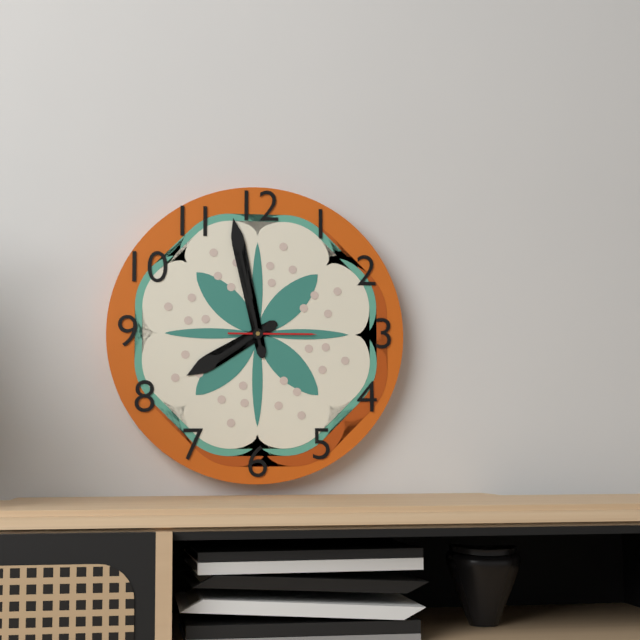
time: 7:58:15
